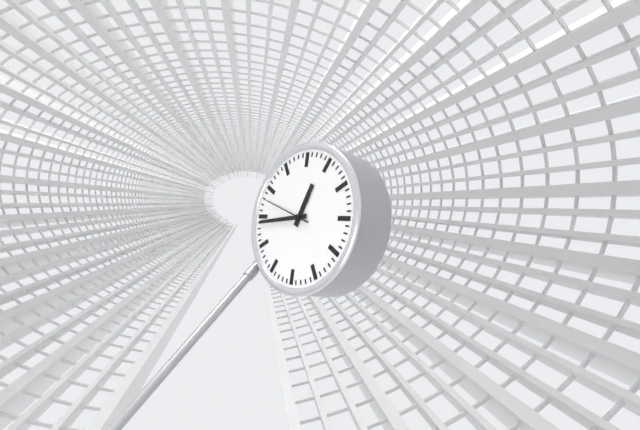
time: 12:44
